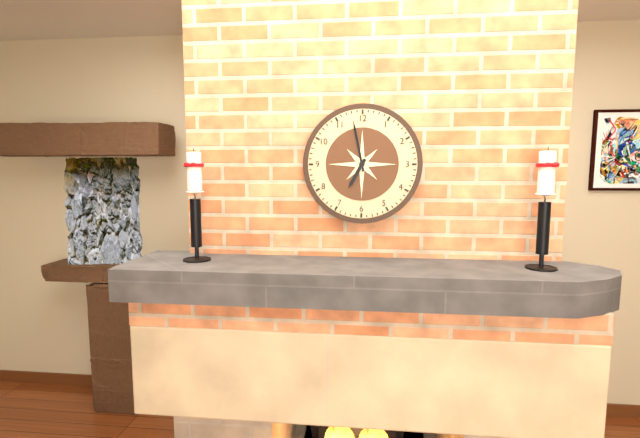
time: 6:58
